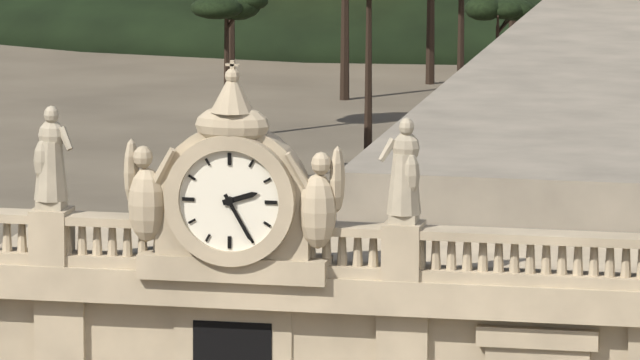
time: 2:25
